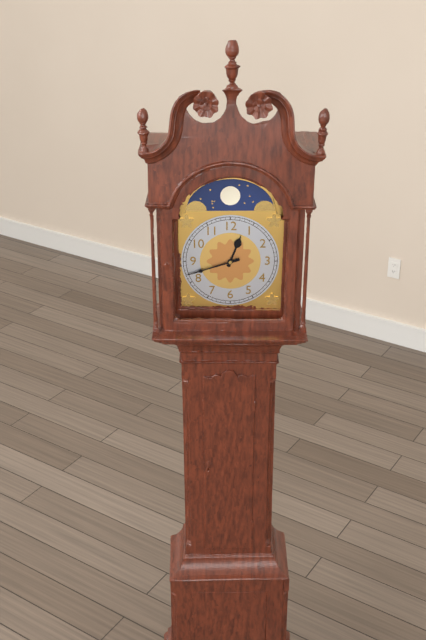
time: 12:42
